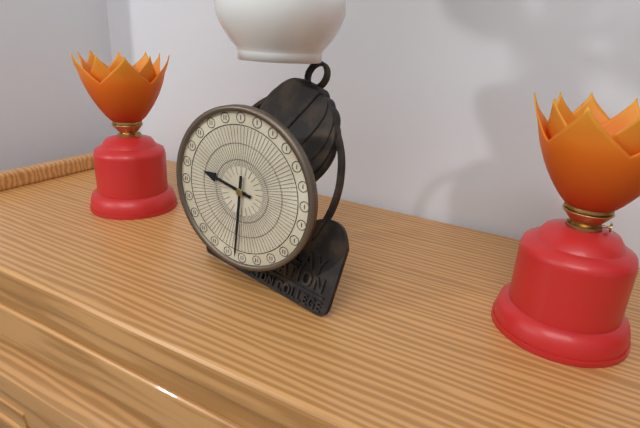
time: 9:31
